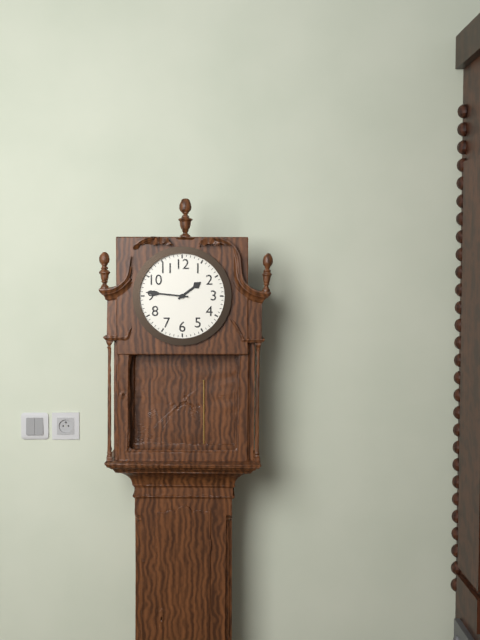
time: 1:46
